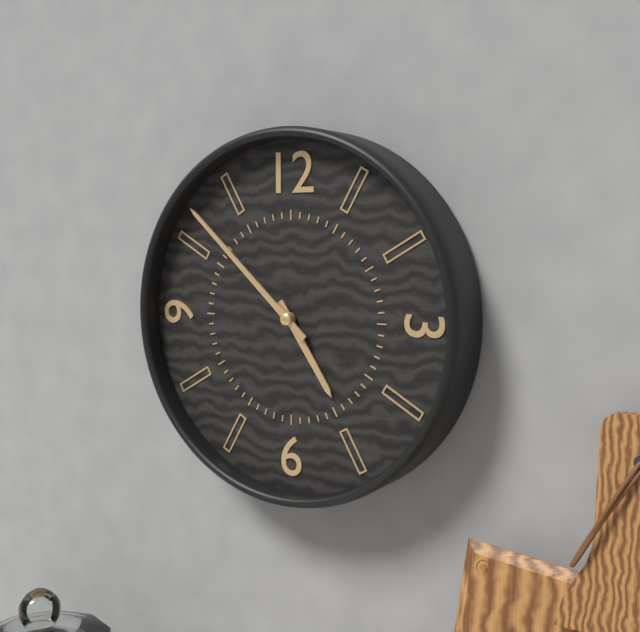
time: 4:52
